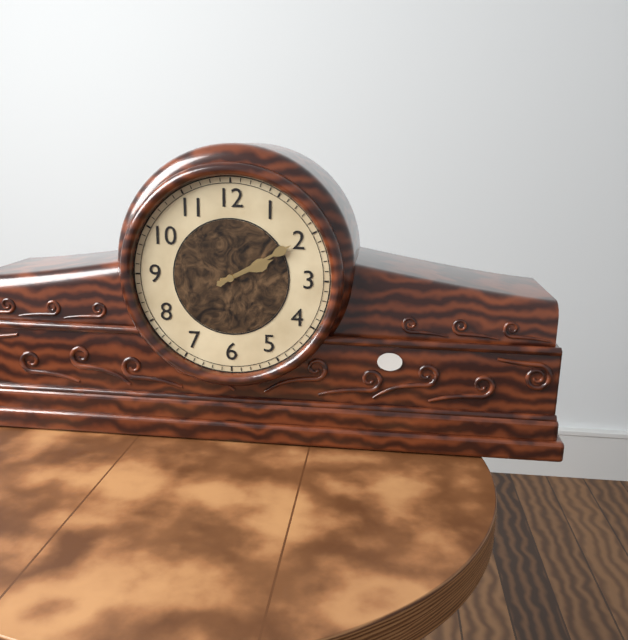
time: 2:10
